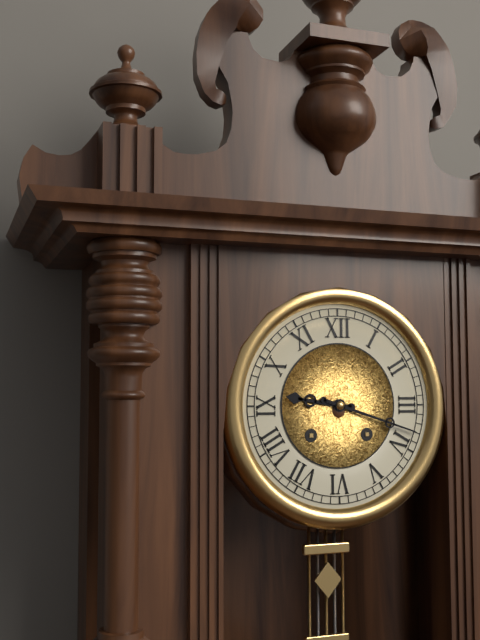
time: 9:18
